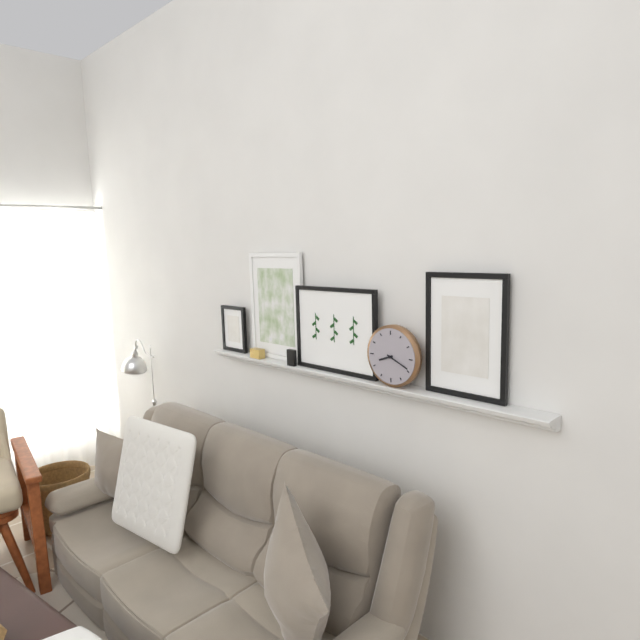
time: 8:19
